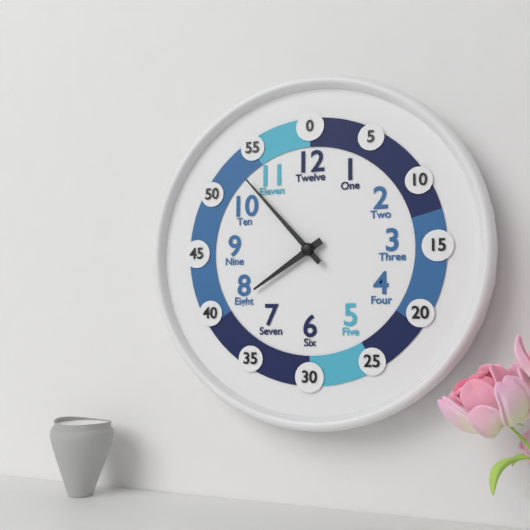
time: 7:53
